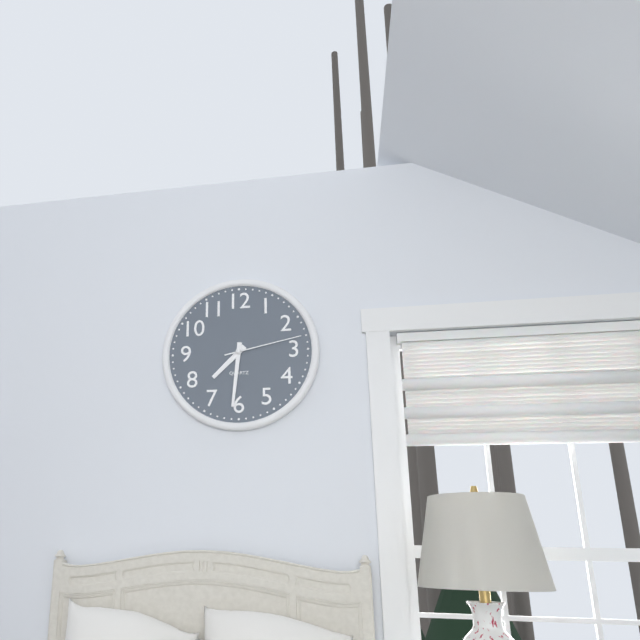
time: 7:31:13
